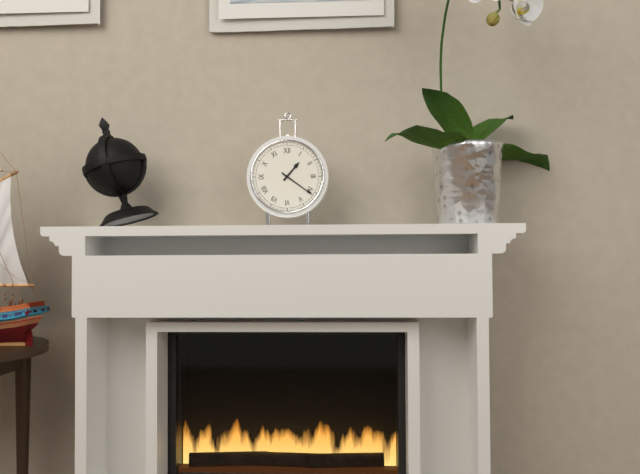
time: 1:21
